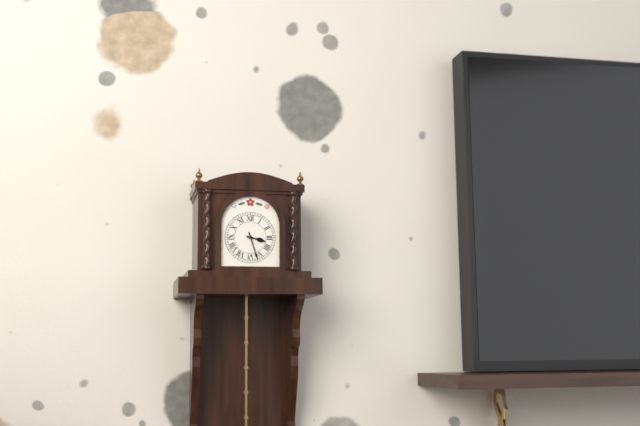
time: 3:27
